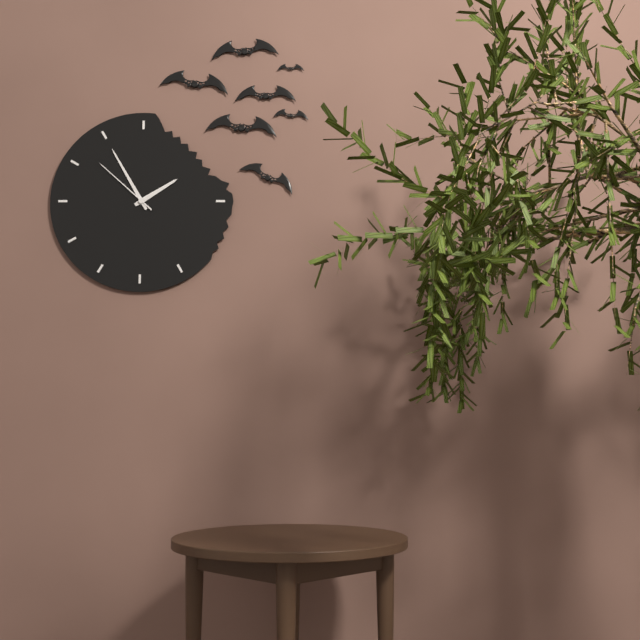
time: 1:55:52
